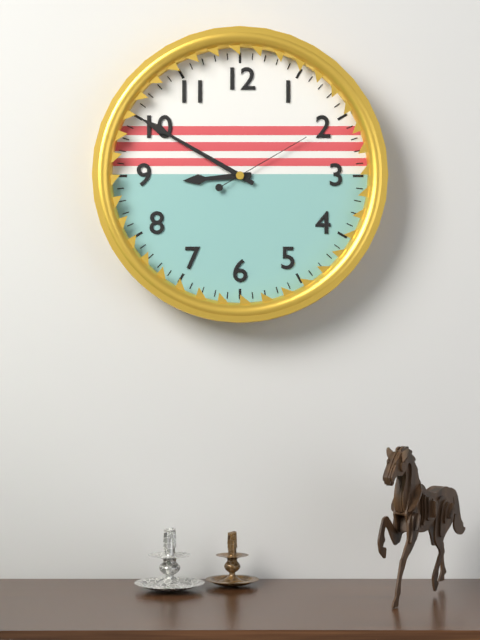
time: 8:50:10
